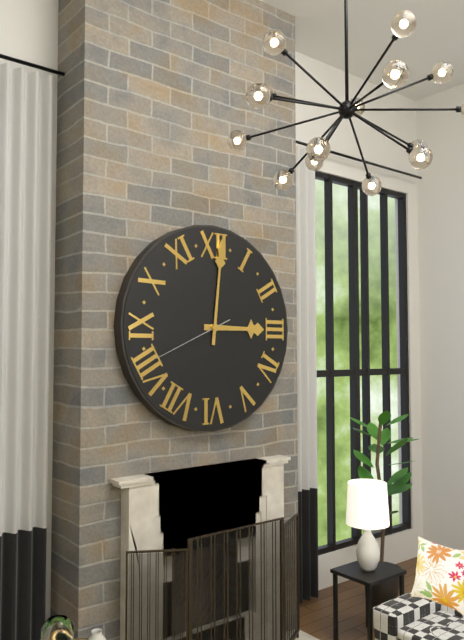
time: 3:01:41
